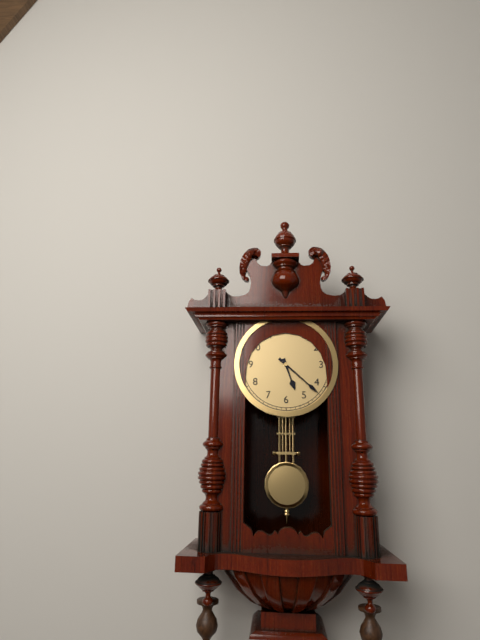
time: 5:22
